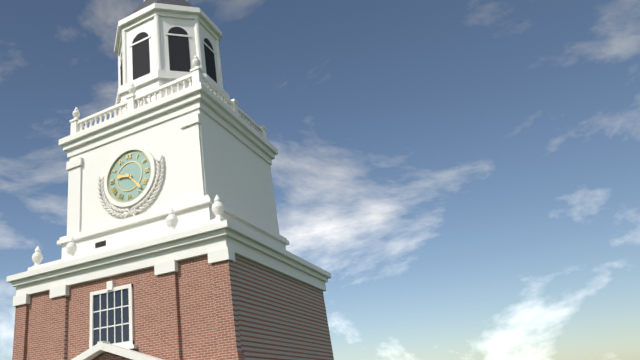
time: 9:23
